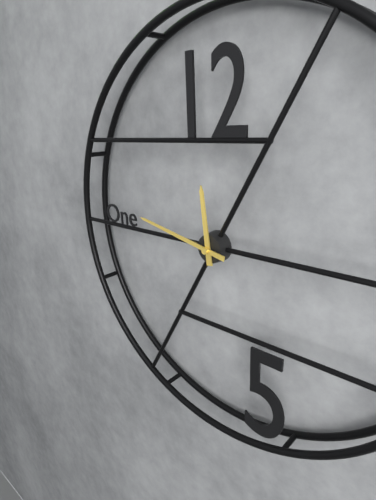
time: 11:47
